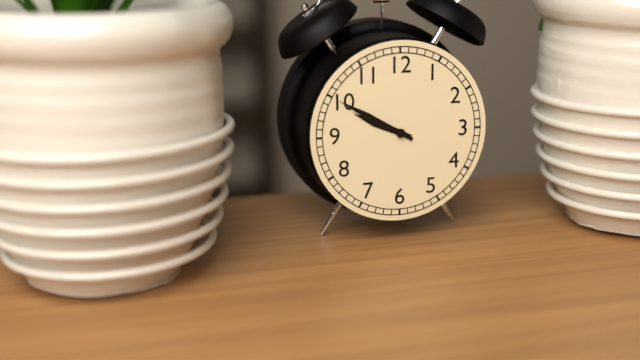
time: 9:50:50
